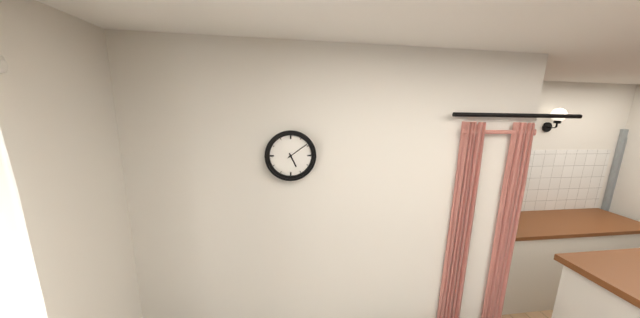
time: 5:09
